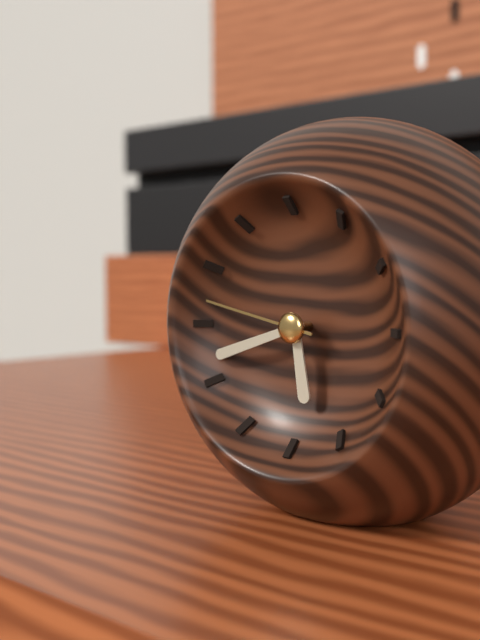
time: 5:42:47
